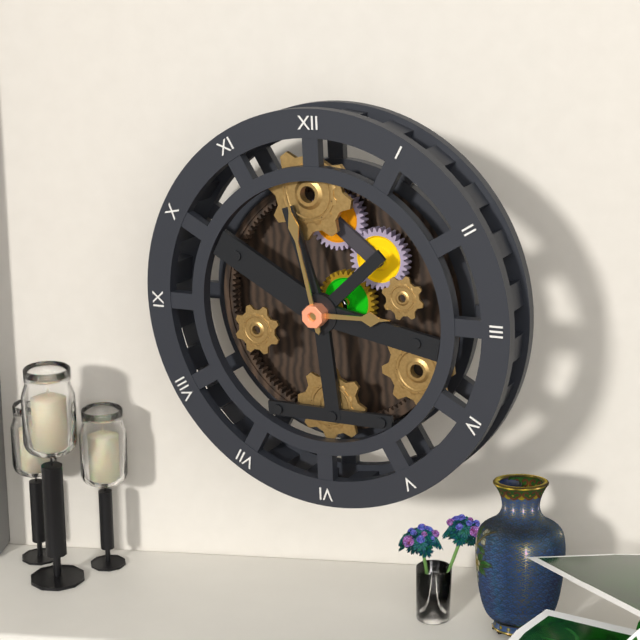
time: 2:58
